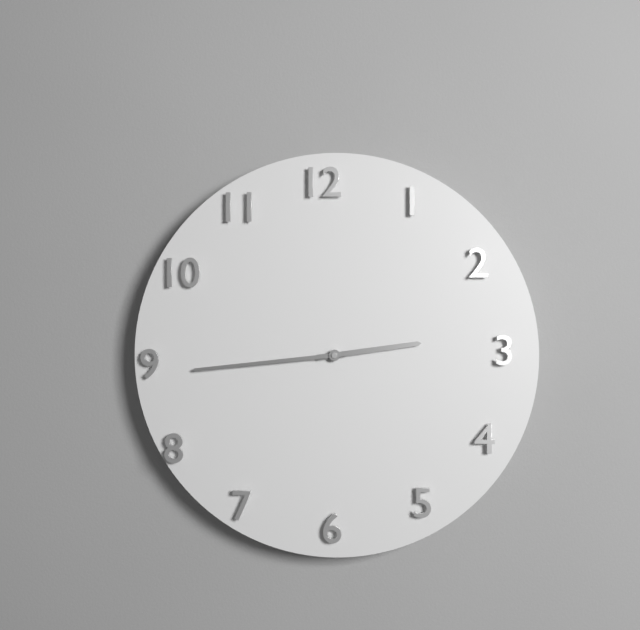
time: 2:44
